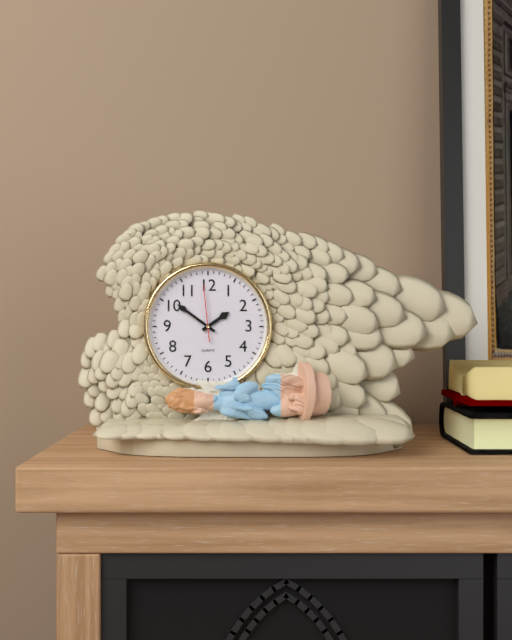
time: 1:51:59
